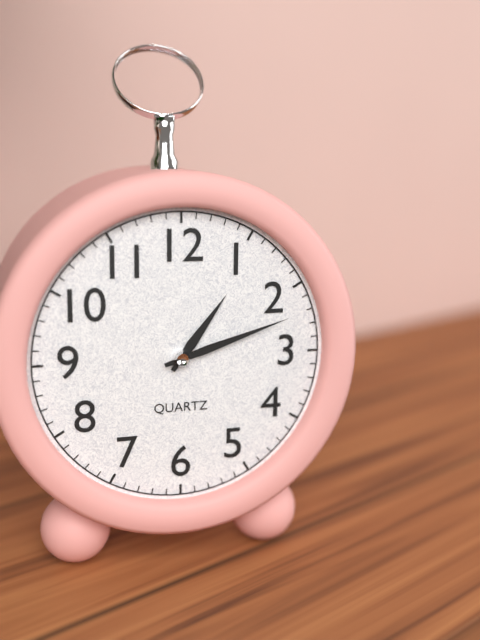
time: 1:12
